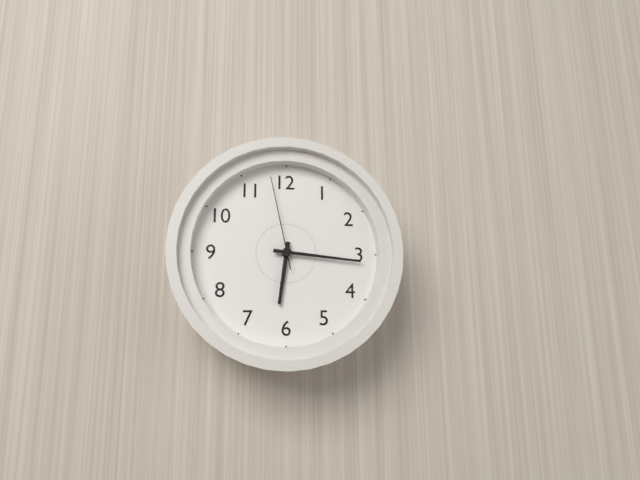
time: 6:16:58
